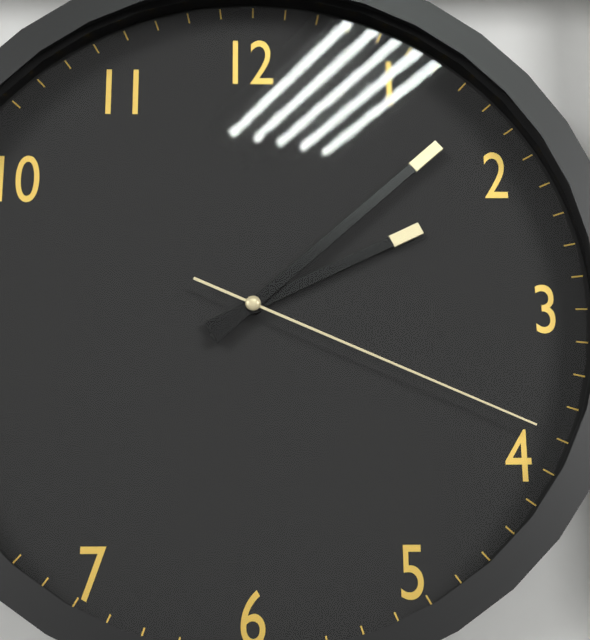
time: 2:08:19
